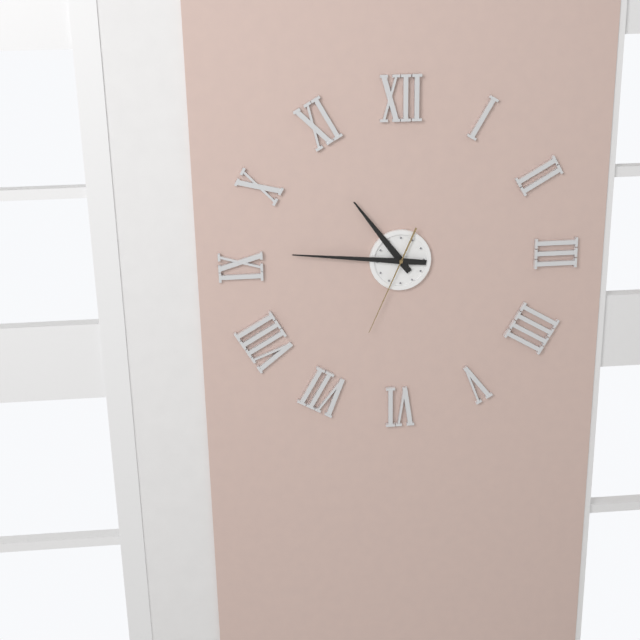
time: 10:46:34
